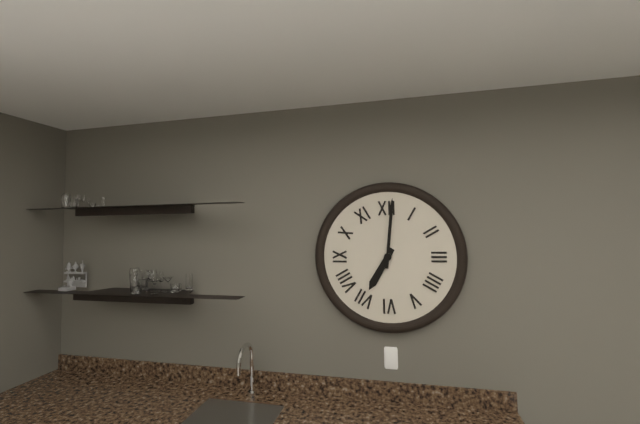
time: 7:01
